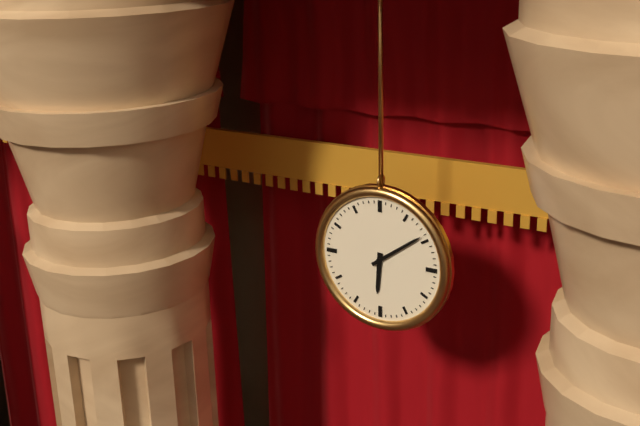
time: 6:09
